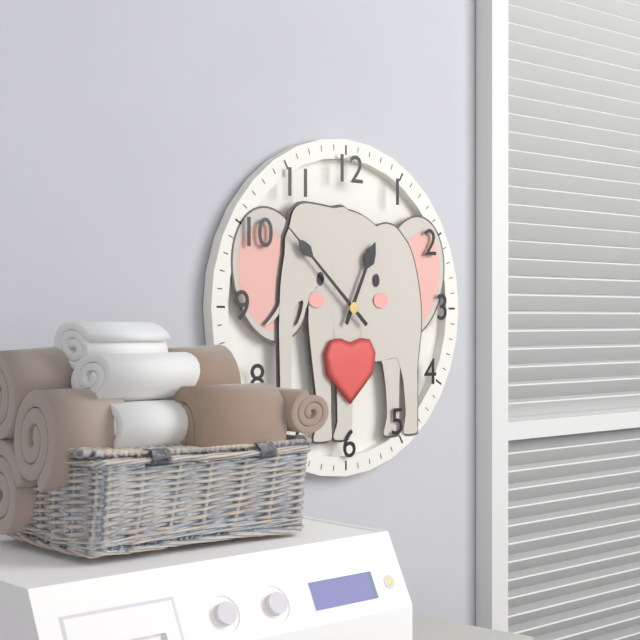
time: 12:52
